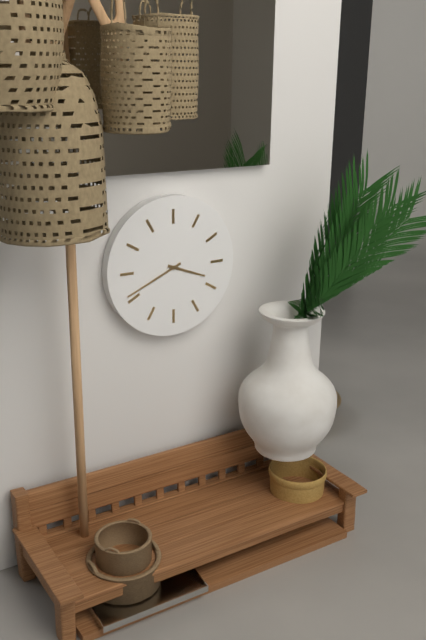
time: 3:41
